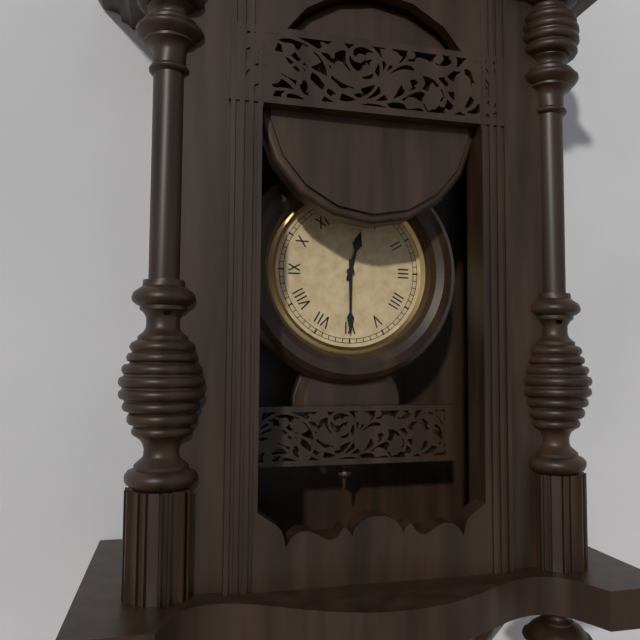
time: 12:30
